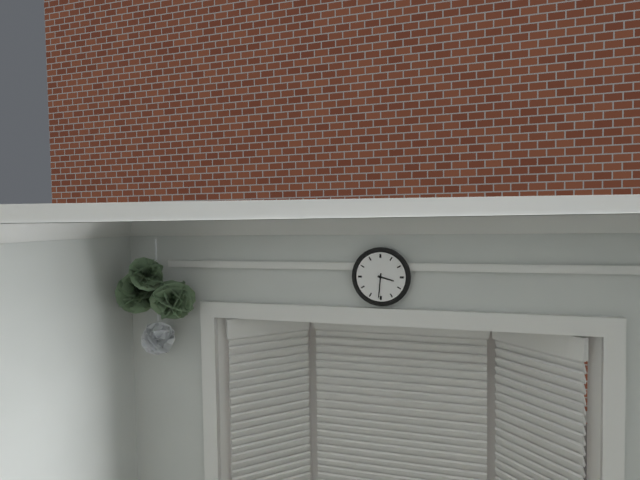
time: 3:31
